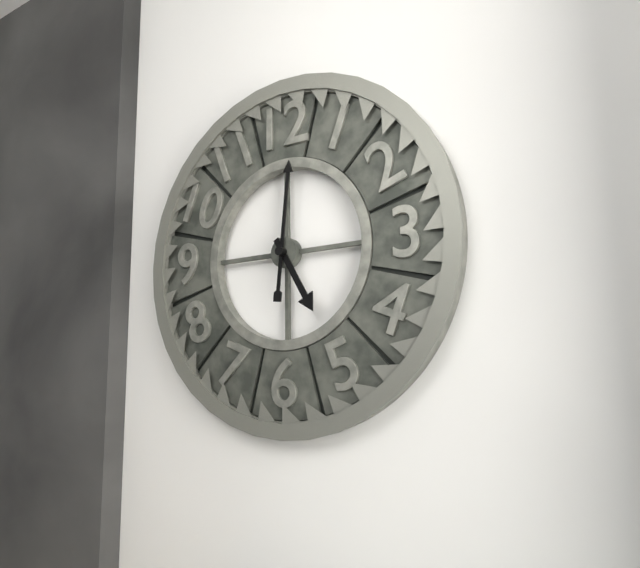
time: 5:01
